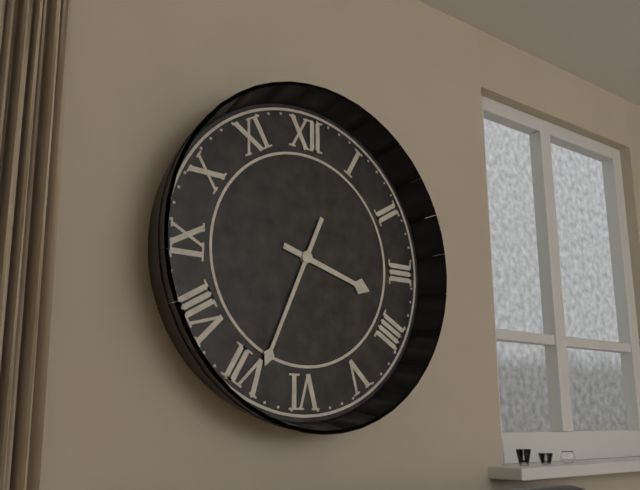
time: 3:34
